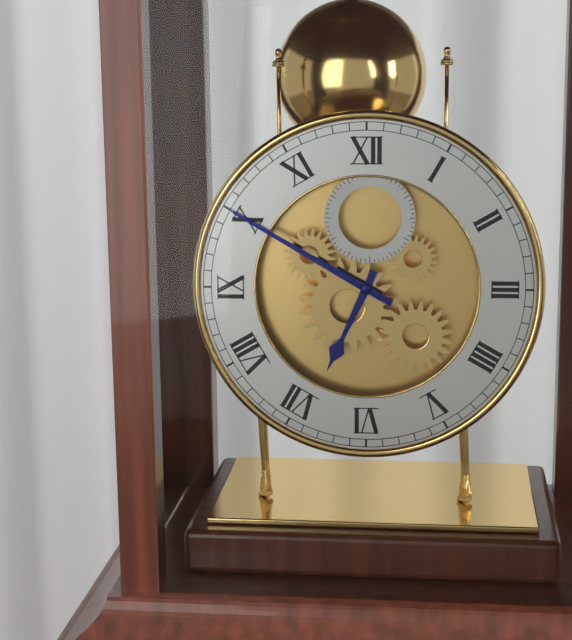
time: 6:50
